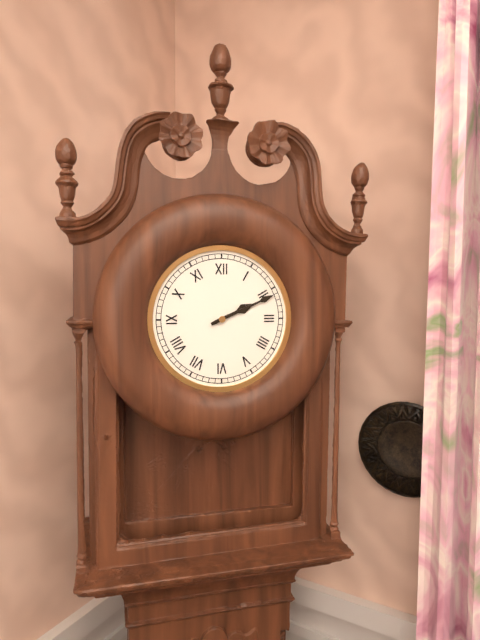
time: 2:11
